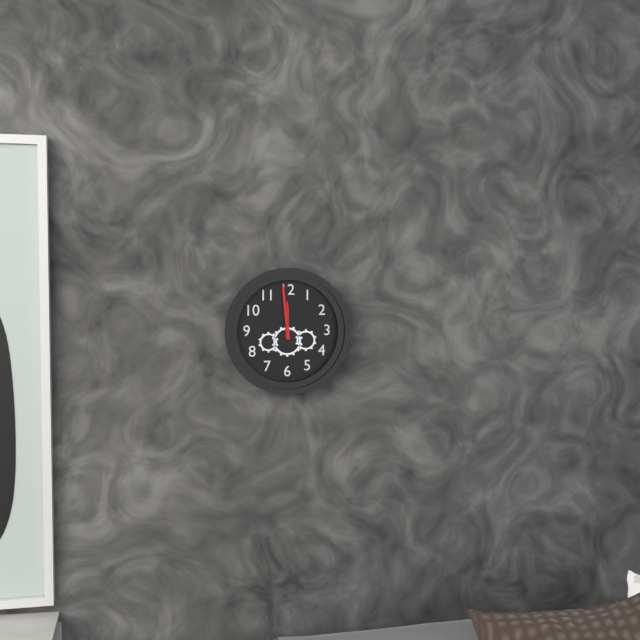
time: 11:59
